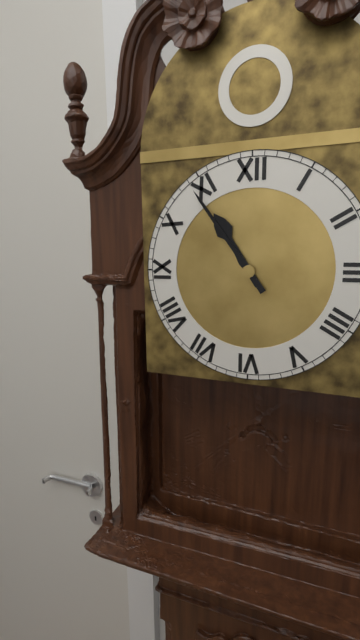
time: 10:54
